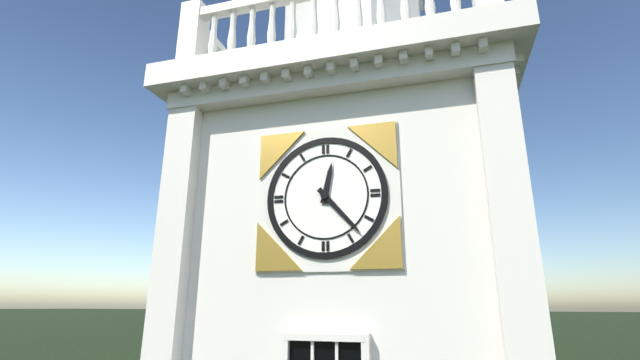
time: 12:23
